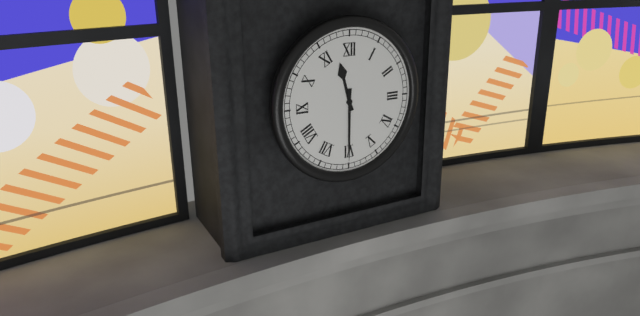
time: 11:30
